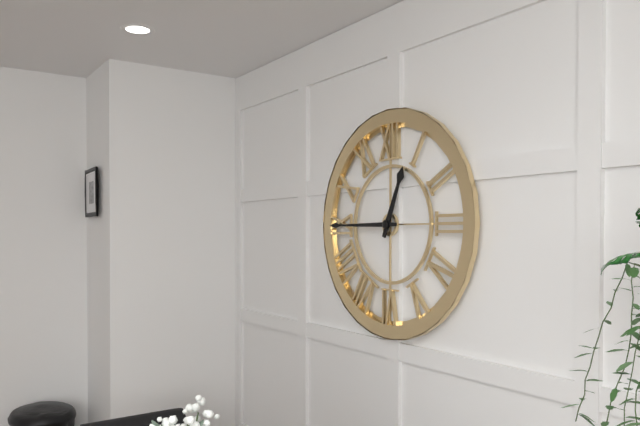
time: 12:45
